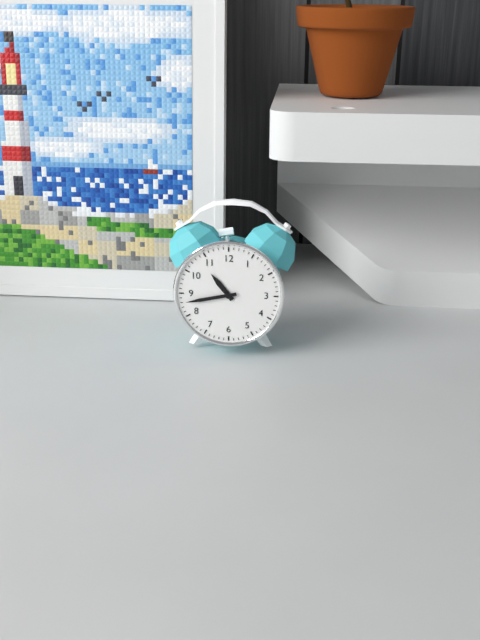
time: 10:43
